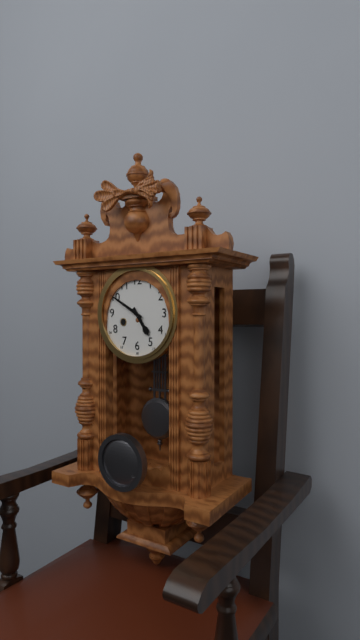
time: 4:50
